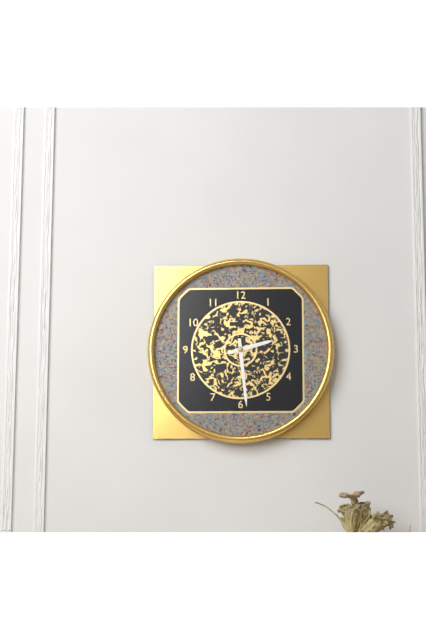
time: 2:29
